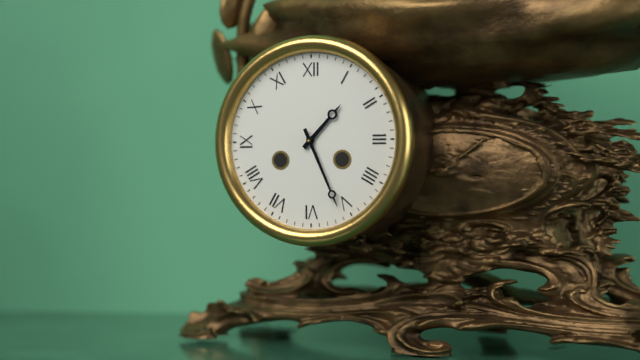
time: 1:26
